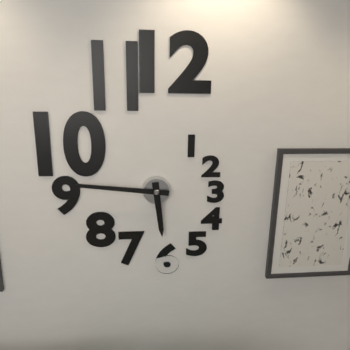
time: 5:46
